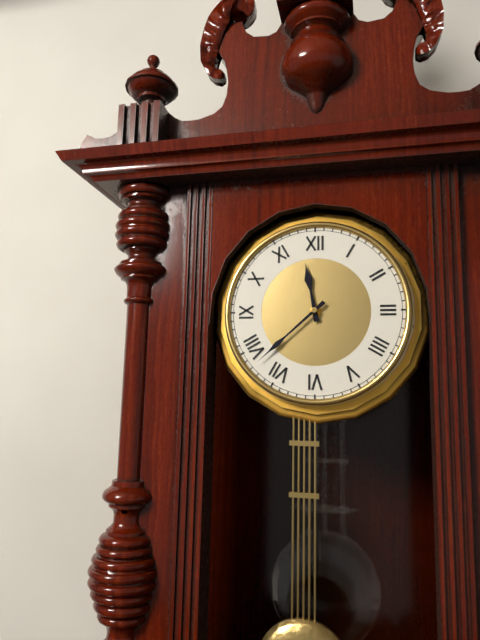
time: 11:38
